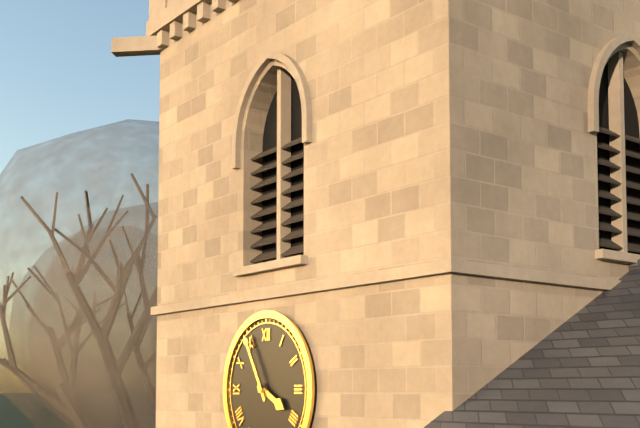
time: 3:55
